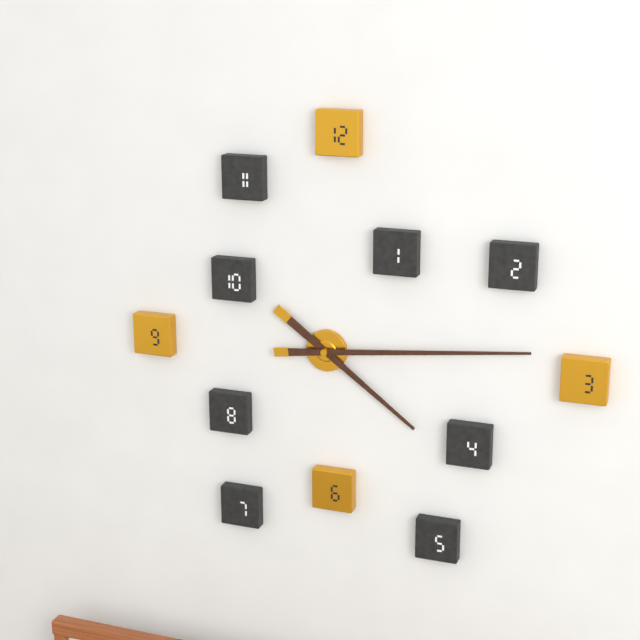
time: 4:14
